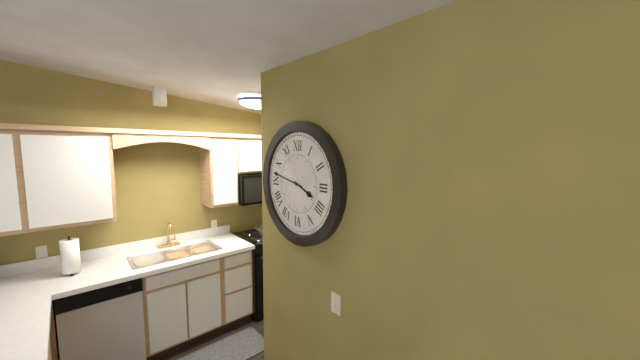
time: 3:47
